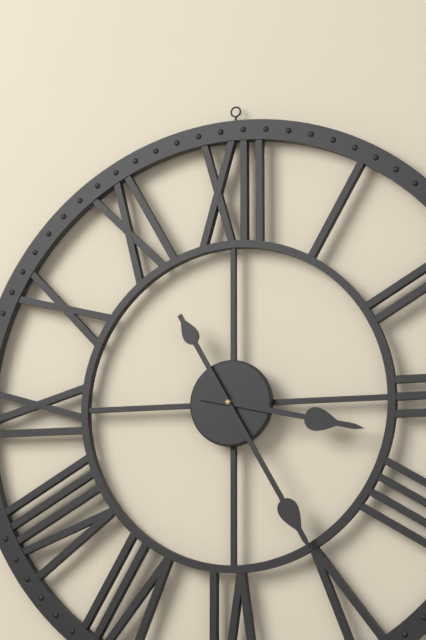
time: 3:25
